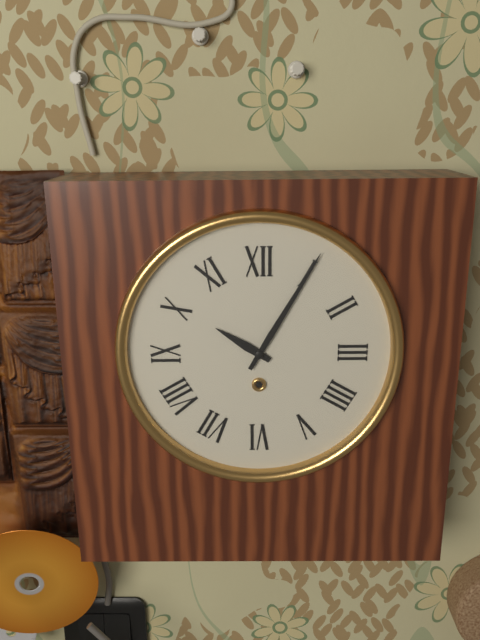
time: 10:05
